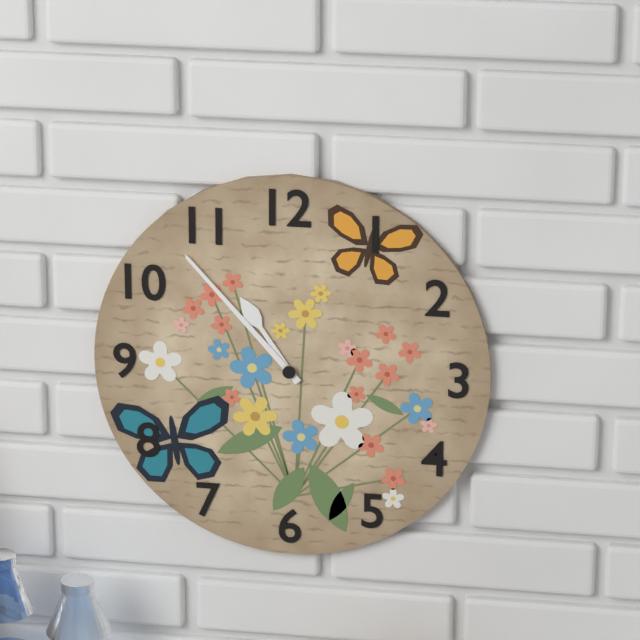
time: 10:53
